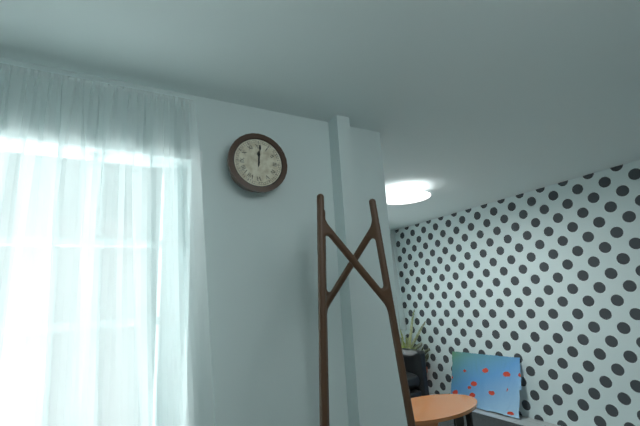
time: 12:01
